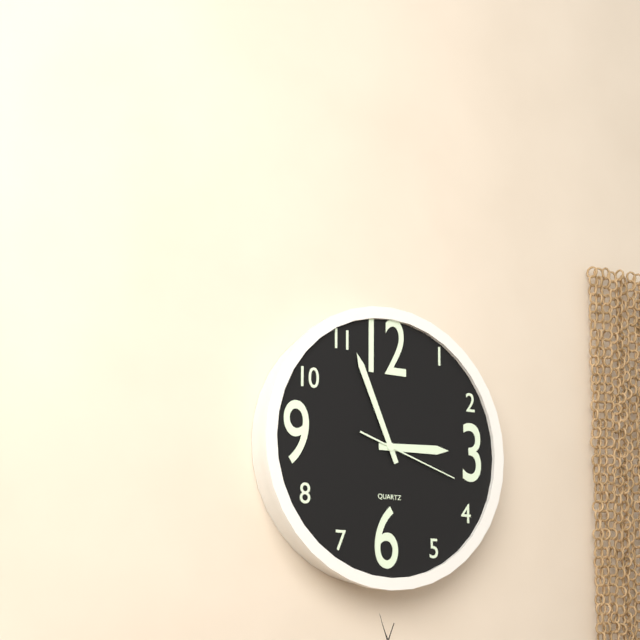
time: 2:56:18
